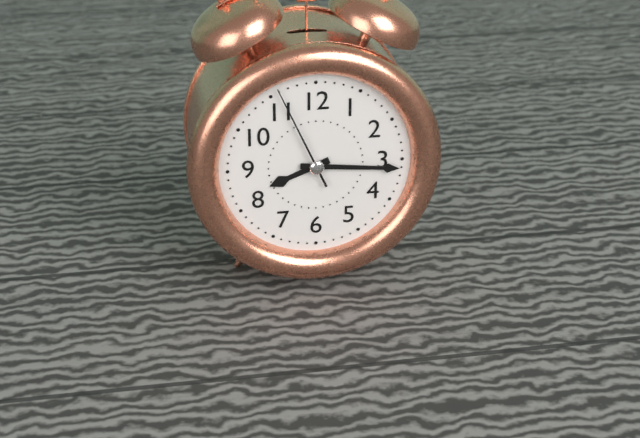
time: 8:16:56
